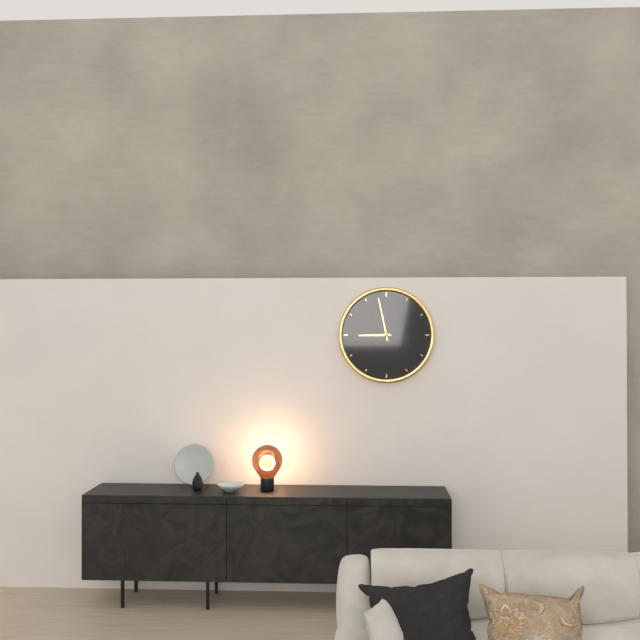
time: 8:58
